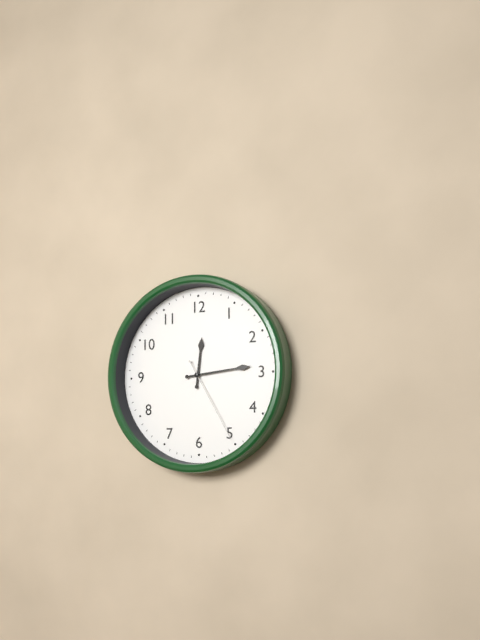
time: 12:14:25
